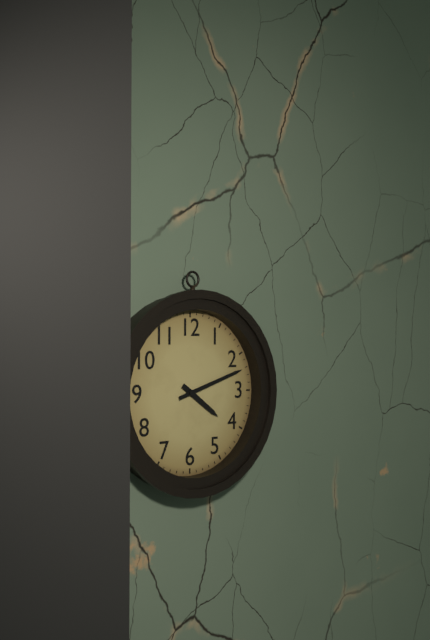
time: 4:12
